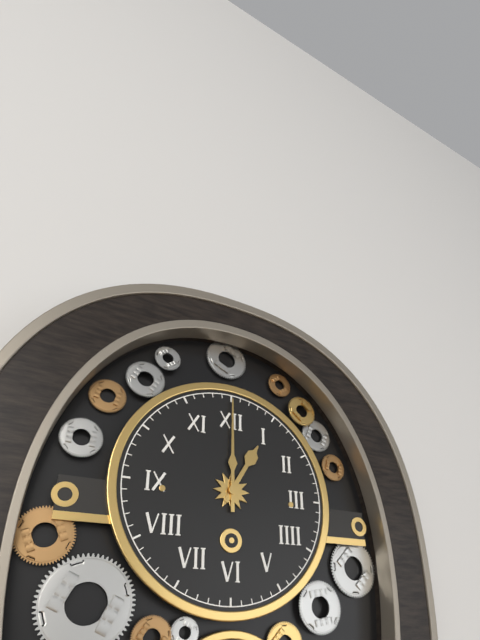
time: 1:00
